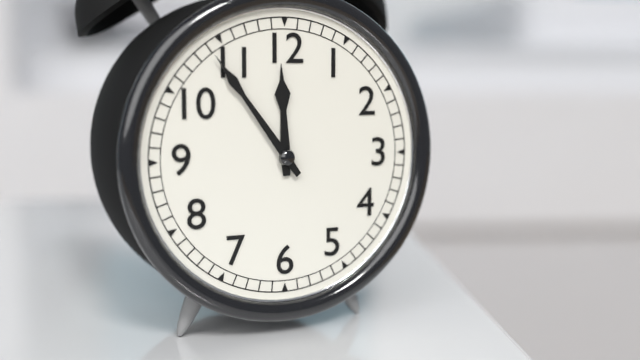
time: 11:54
